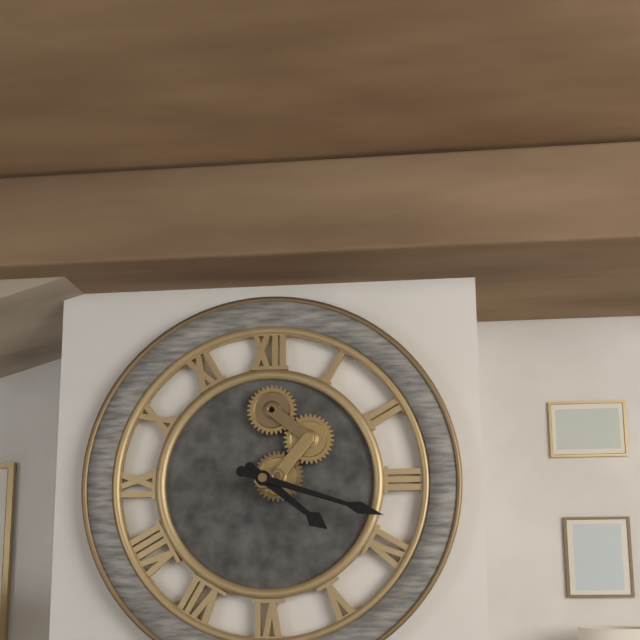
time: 4:18
